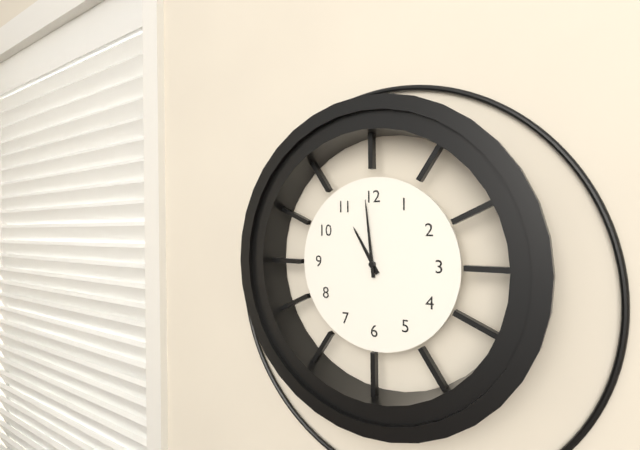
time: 10:59
